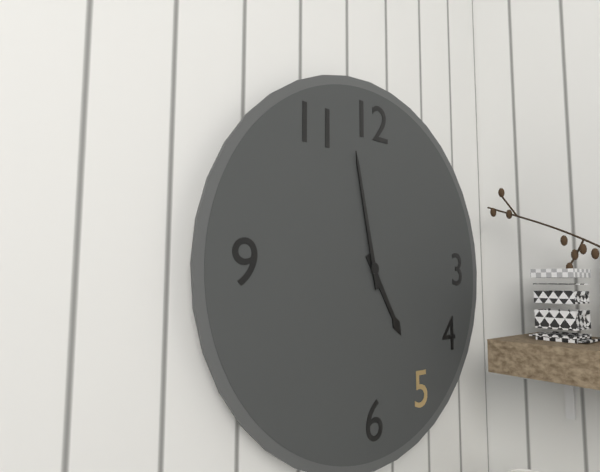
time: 4:58
